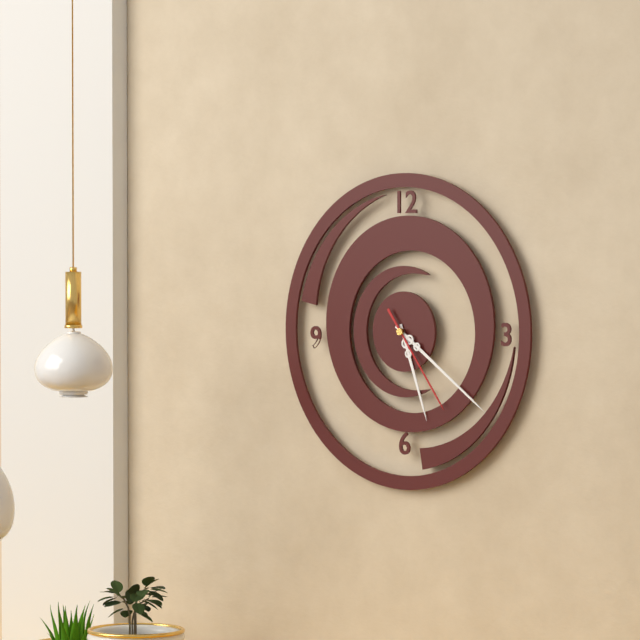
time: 5:21:24
